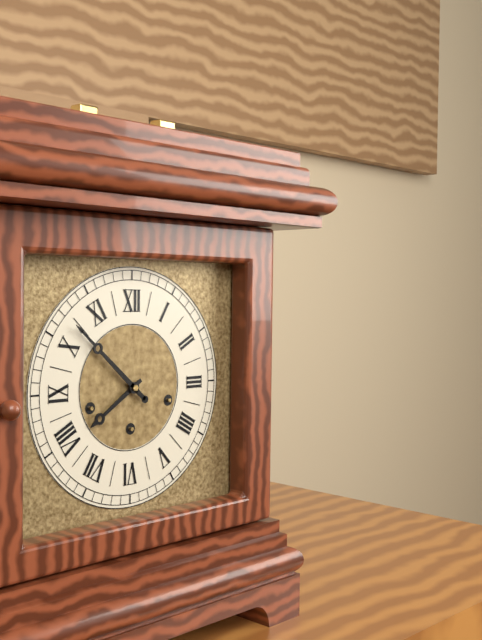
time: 7:52
